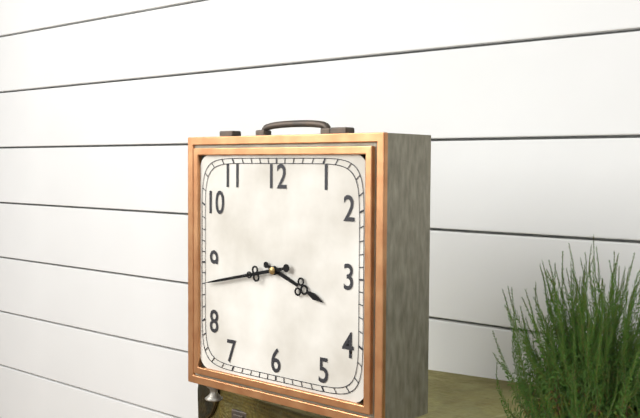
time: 3:43
